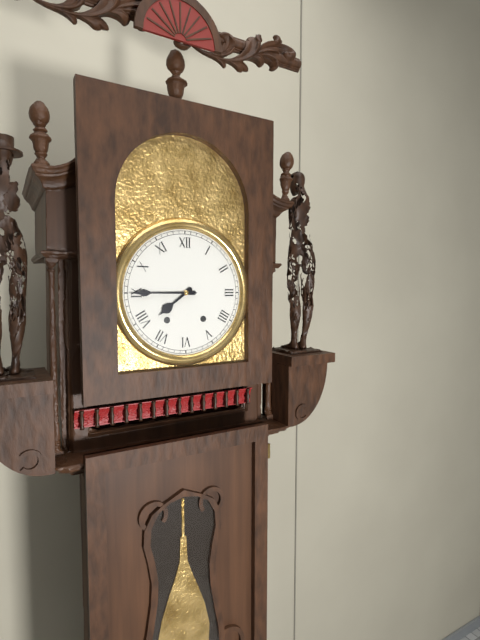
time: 7:45
